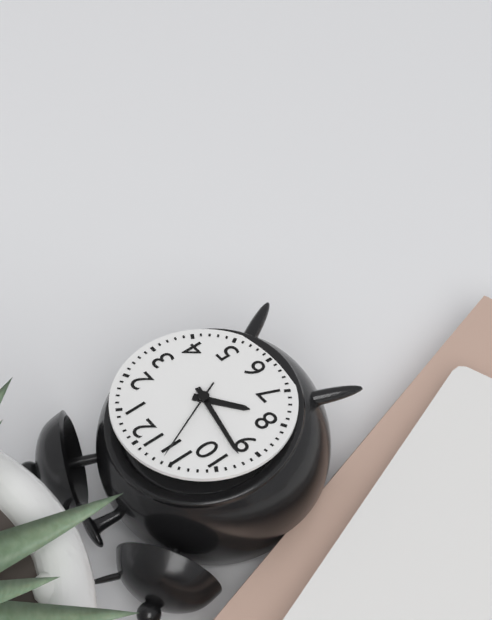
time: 7:47:56
